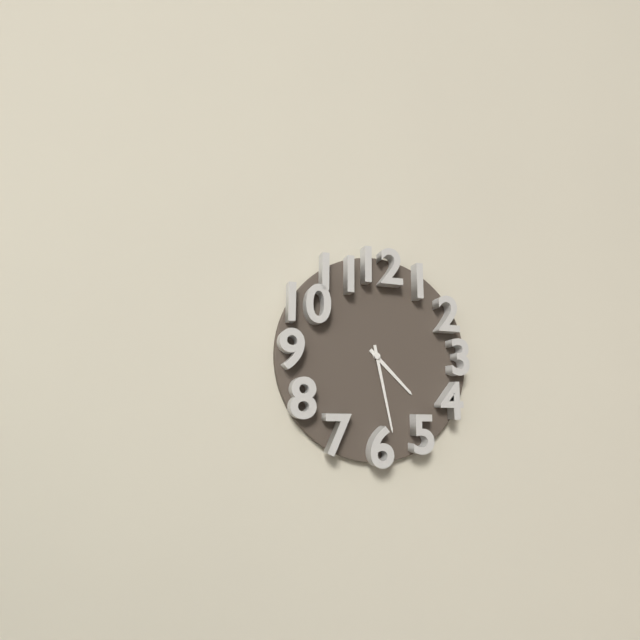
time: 4:28
